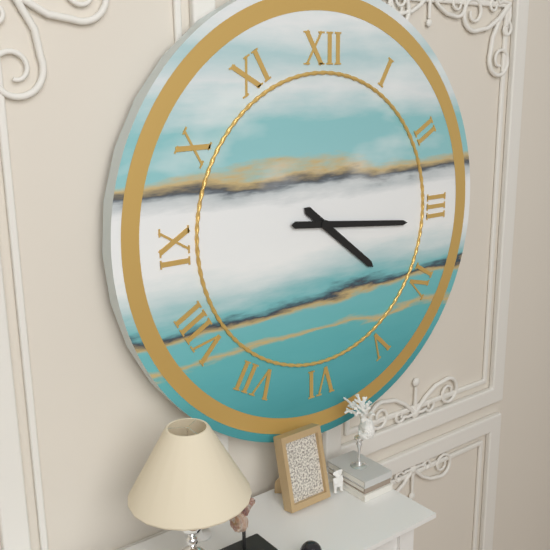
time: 4:16
